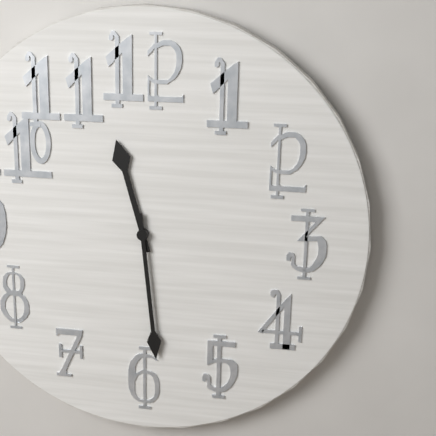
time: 11:29
